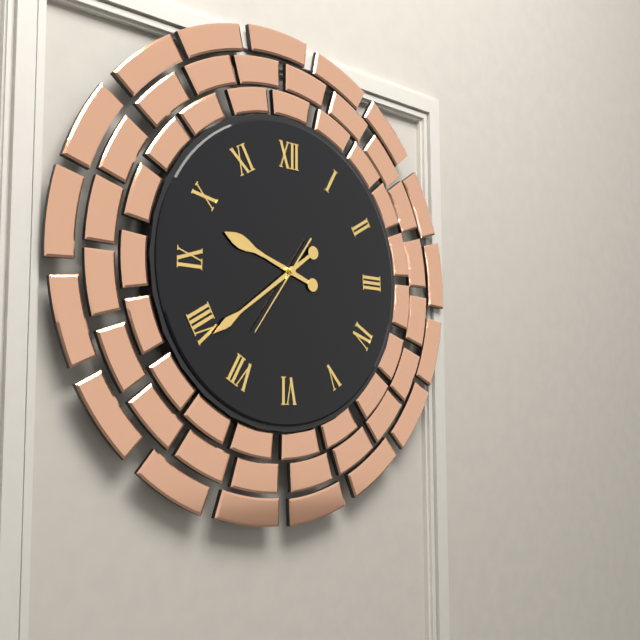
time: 9:39:36
